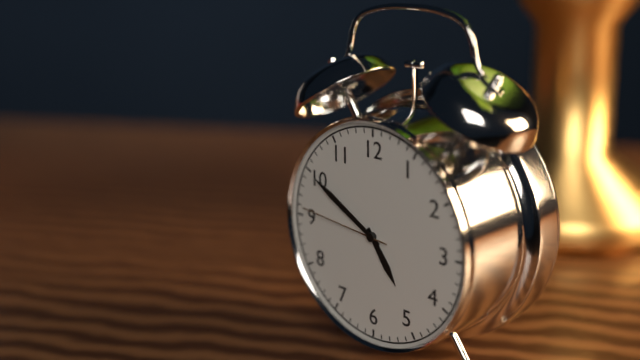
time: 4:50:46
